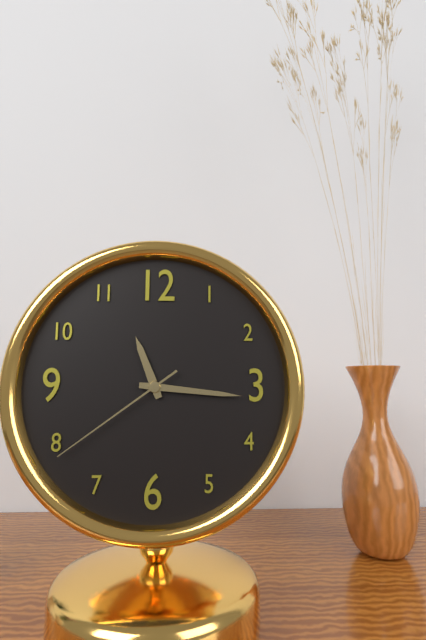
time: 11:16:39
